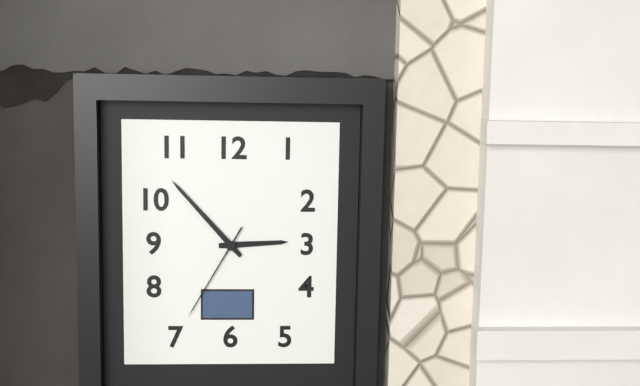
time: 2:53:35
